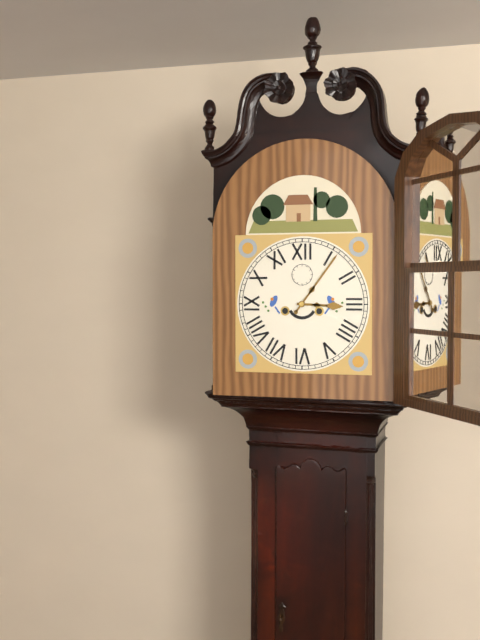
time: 3:06
